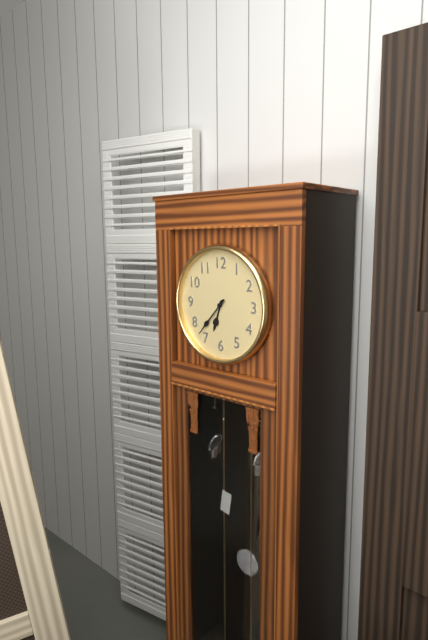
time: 6:37
